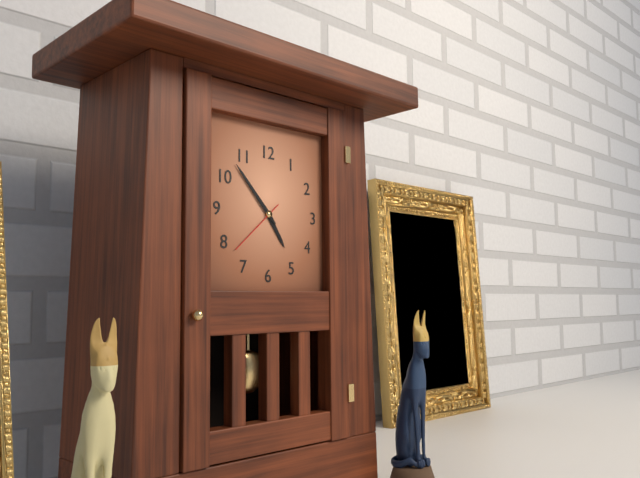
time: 4:53:38
